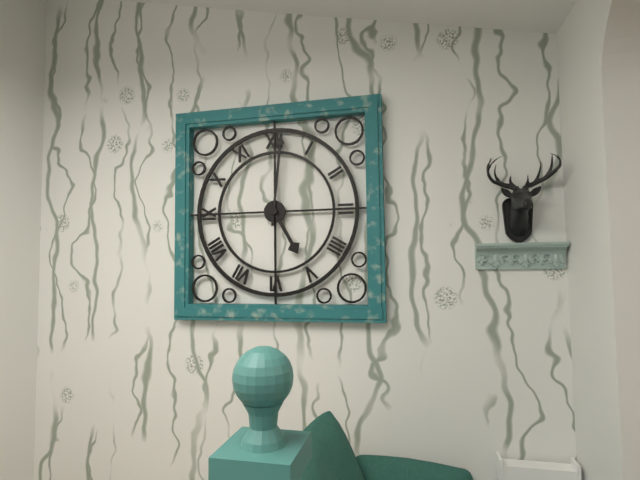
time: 5:01
